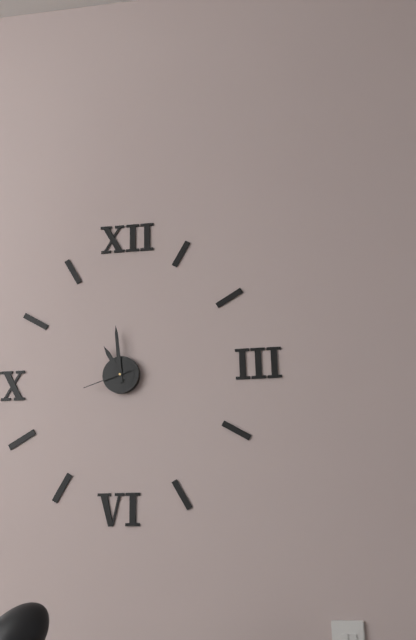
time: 10:59:42
